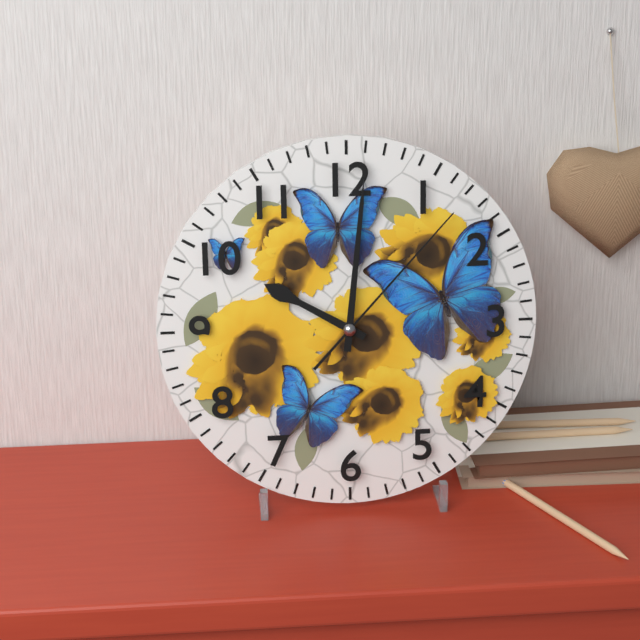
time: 10:01:07
